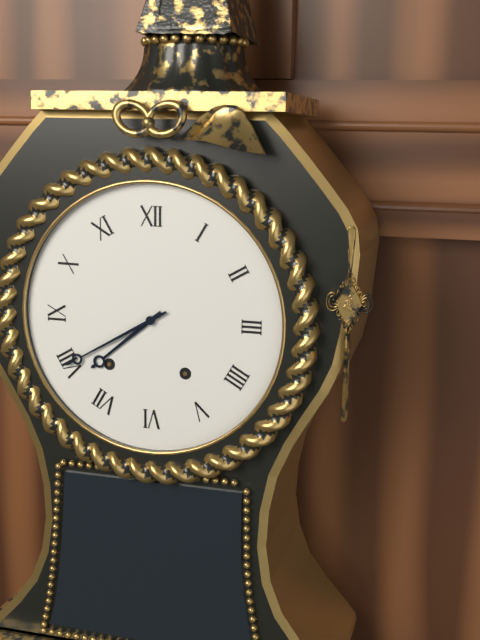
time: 7:40
